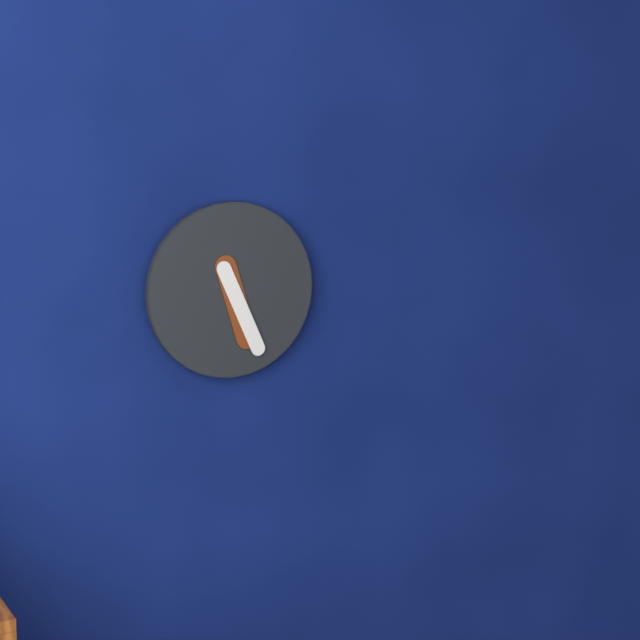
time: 5:26
